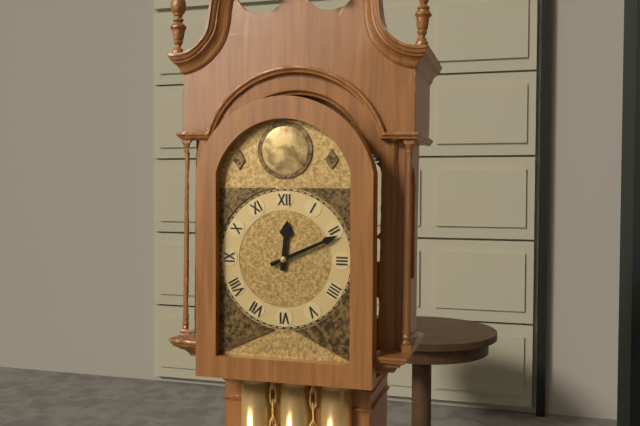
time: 12:11
